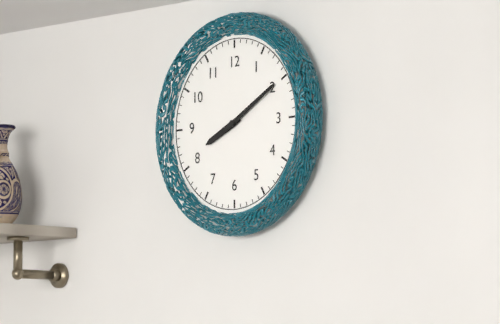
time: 8:10
